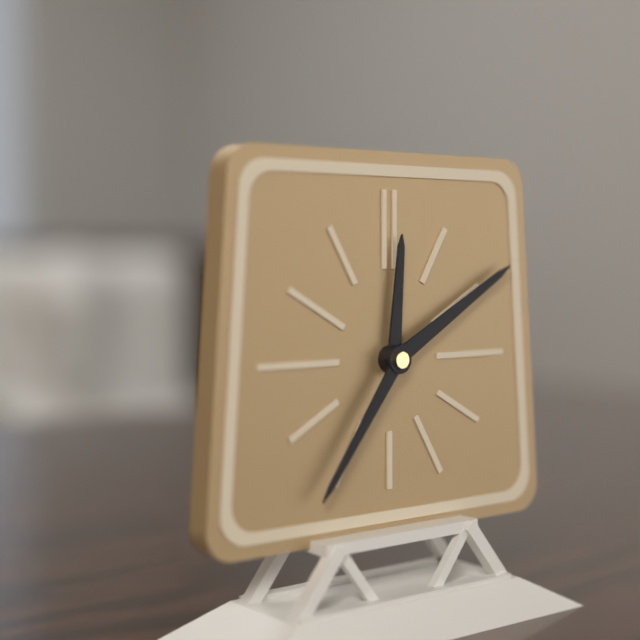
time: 12:10:36
